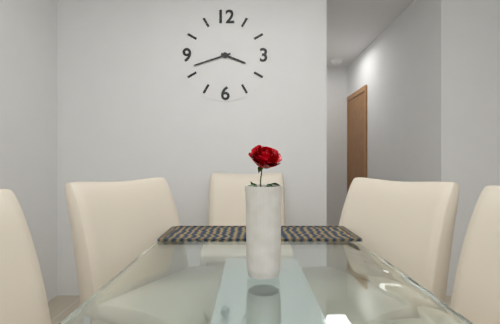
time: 3:42
